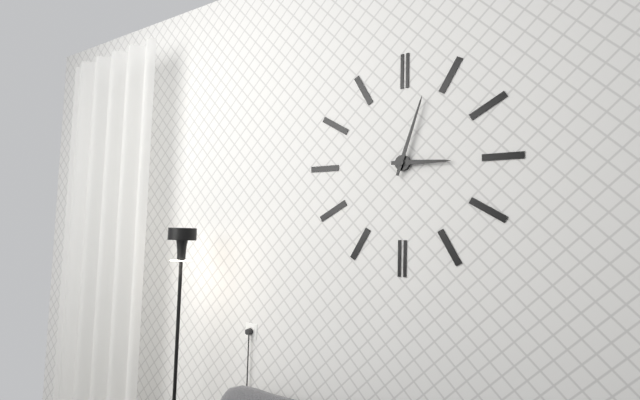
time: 3:03
